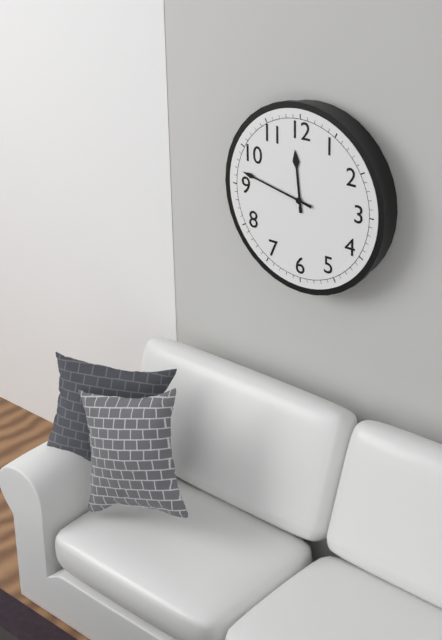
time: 11:47
